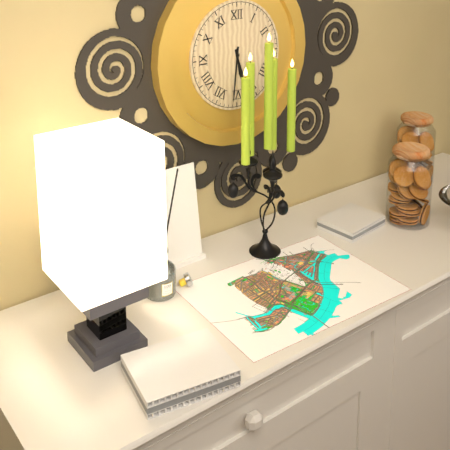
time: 5:31
